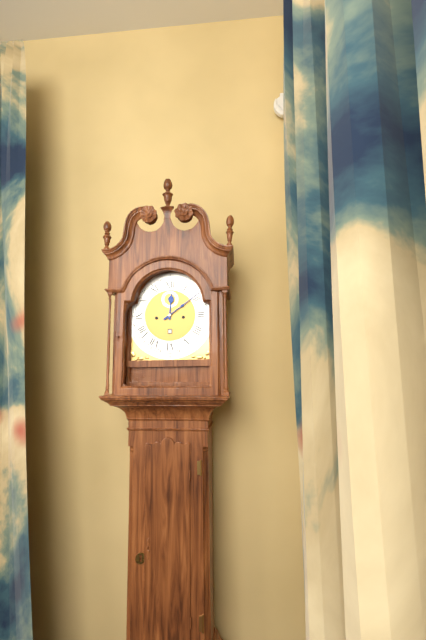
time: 12:09
